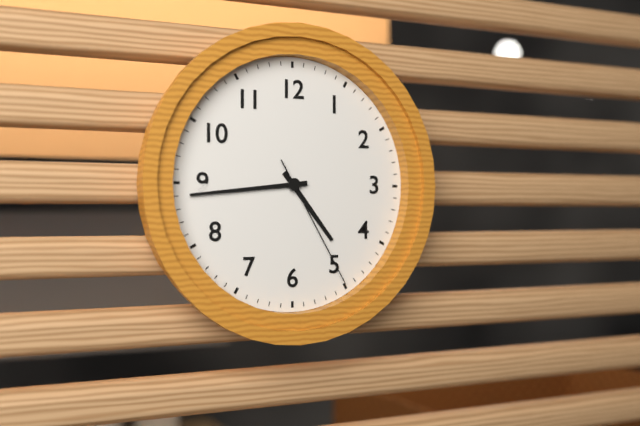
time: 4:44:25
